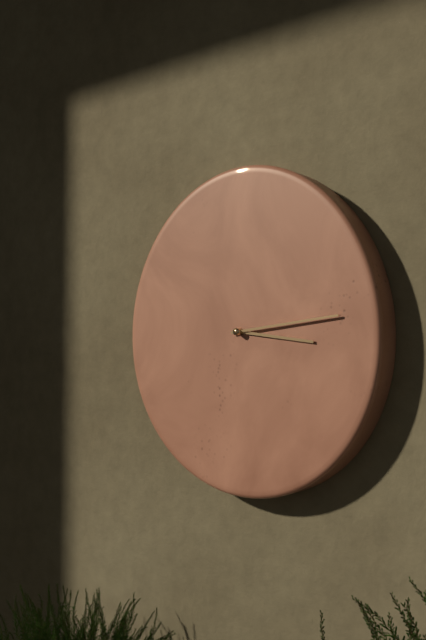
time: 3:14
